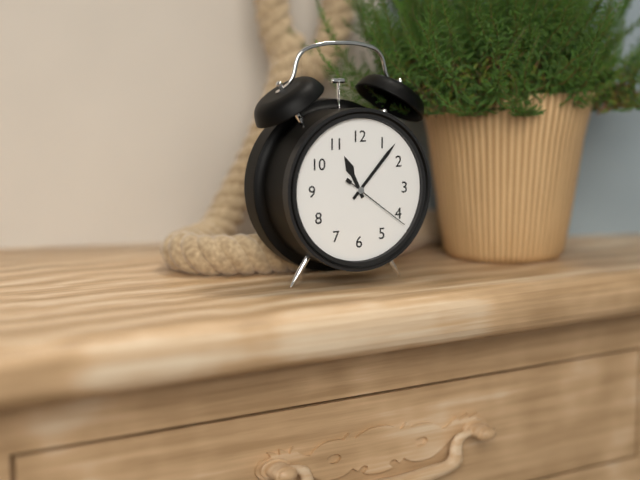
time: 11:07:21
